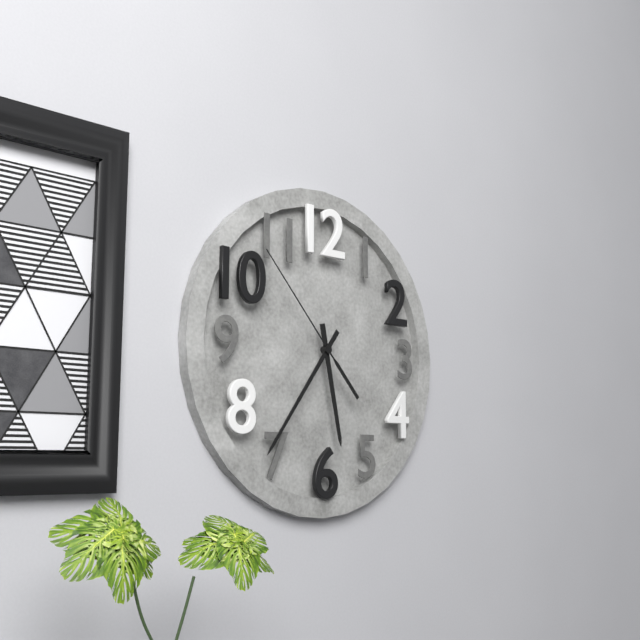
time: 5:36:53
